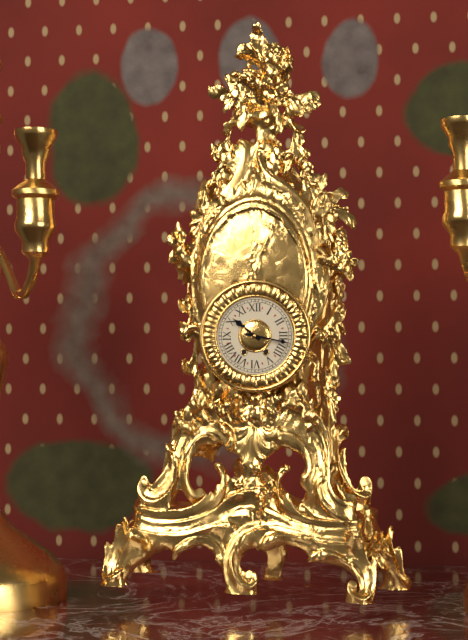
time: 10:17
